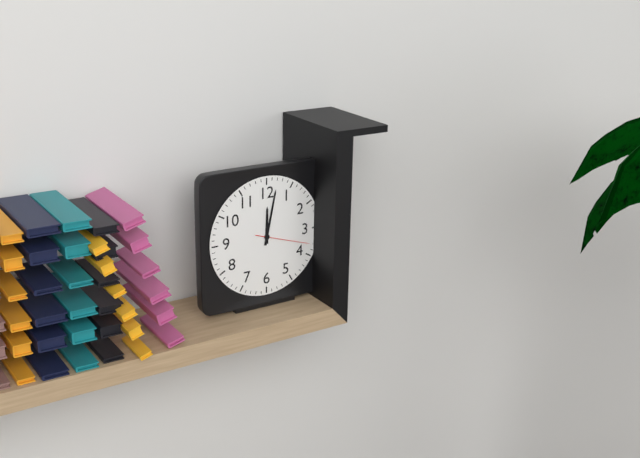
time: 12:02:18
